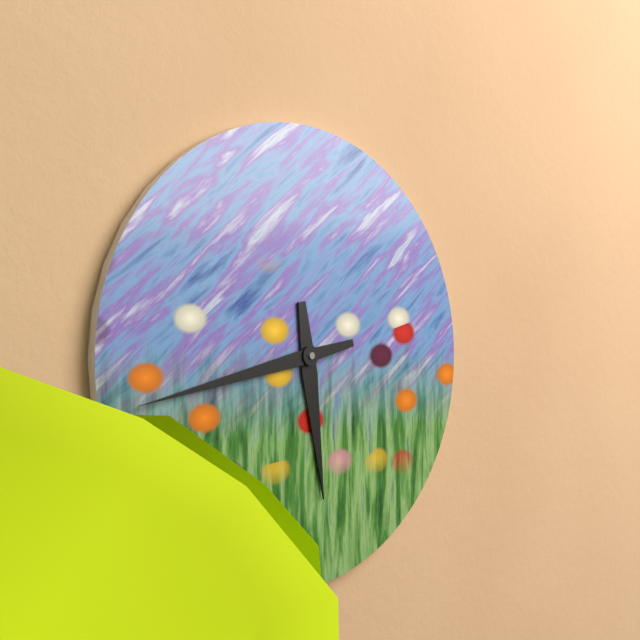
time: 5:43
